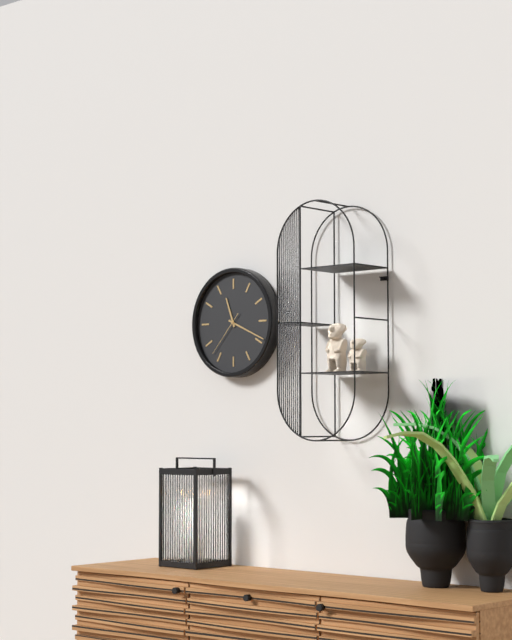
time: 11:19:37
